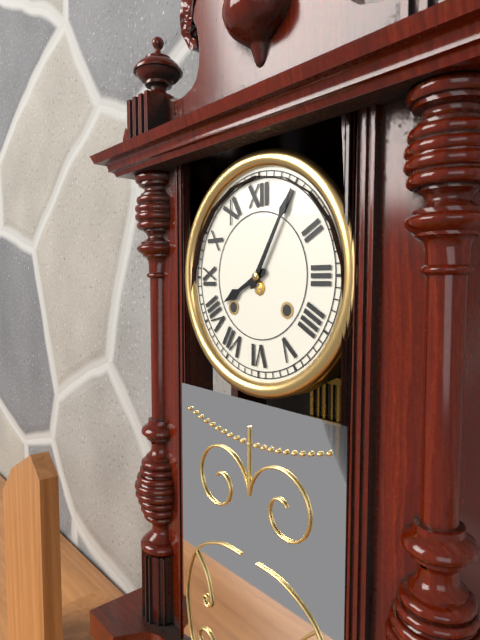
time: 8:05
